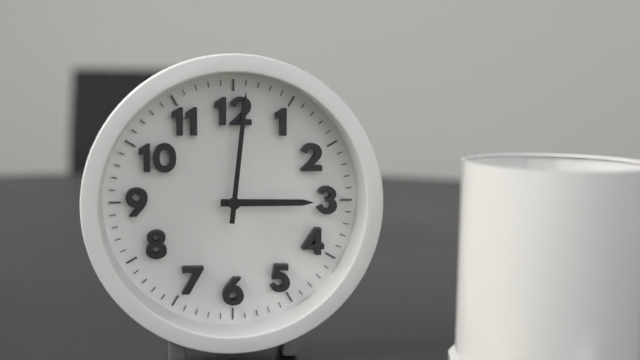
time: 3:01
